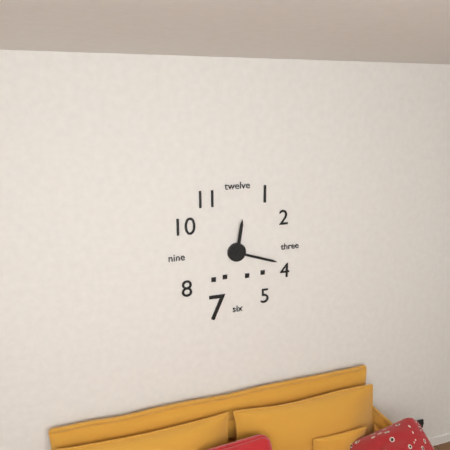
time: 12:18
